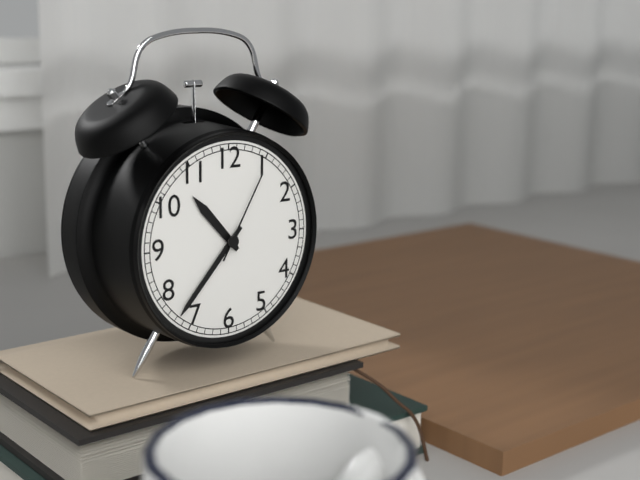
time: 10:37:05
